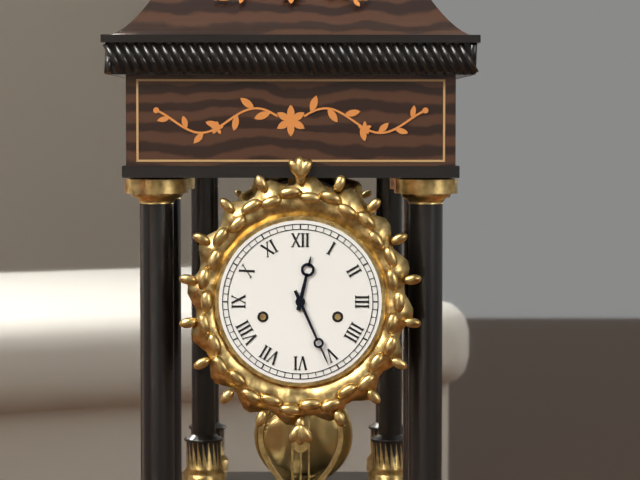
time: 12:26
